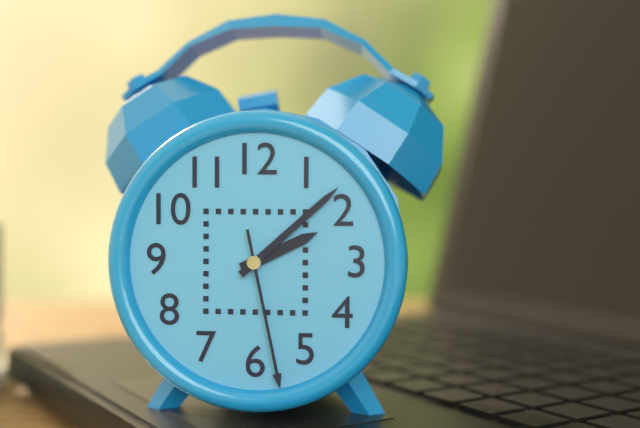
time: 2:08:28
